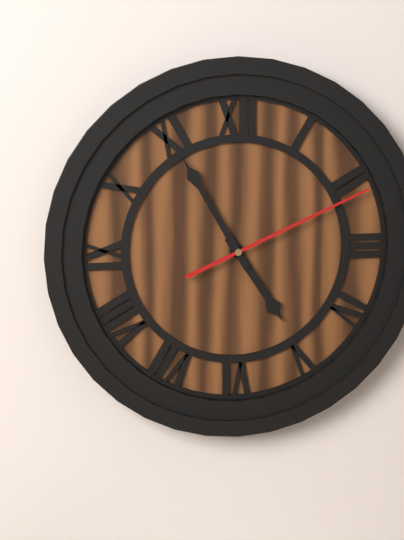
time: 4:55:11
